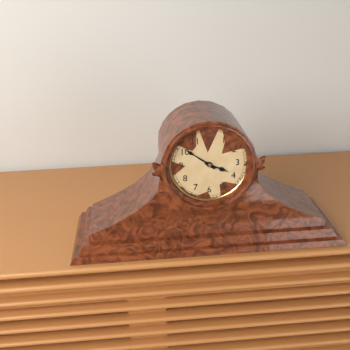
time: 3:51
